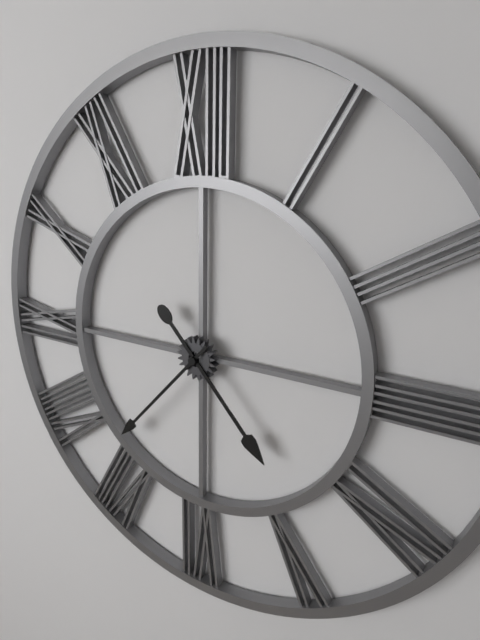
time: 4:37
